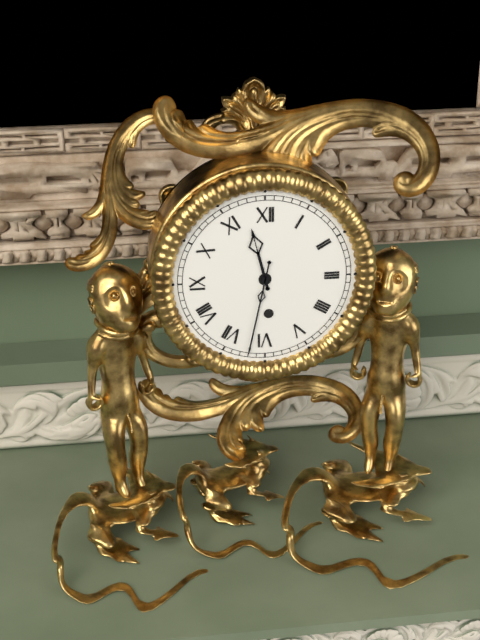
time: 11:32
